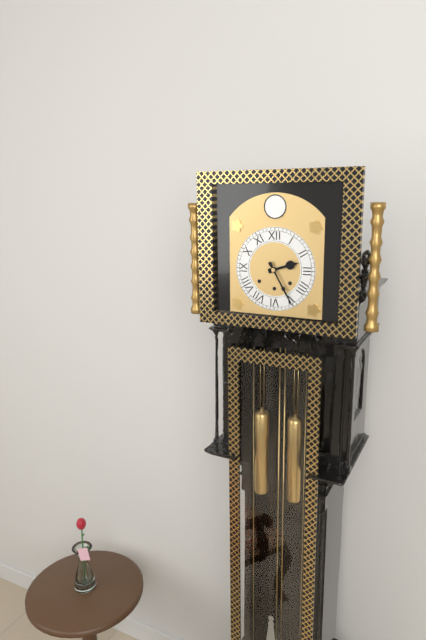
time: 2:25
